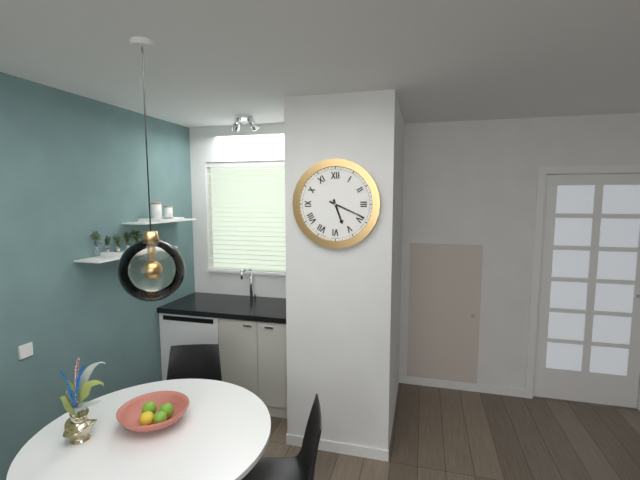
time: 5:19
